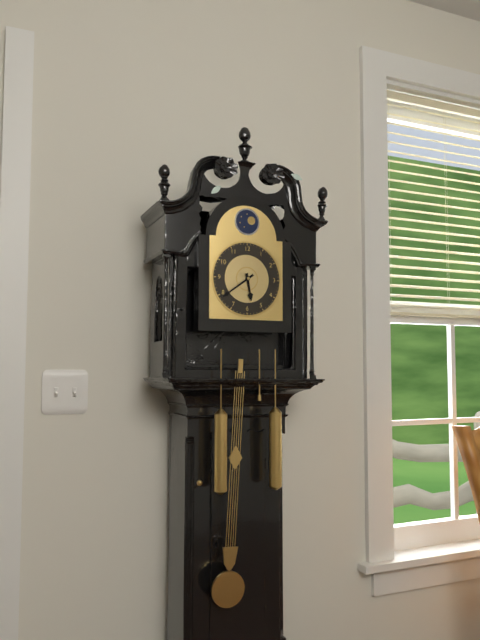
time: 5:39
